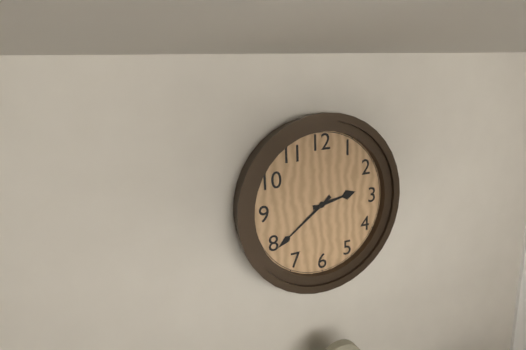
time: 2:39
